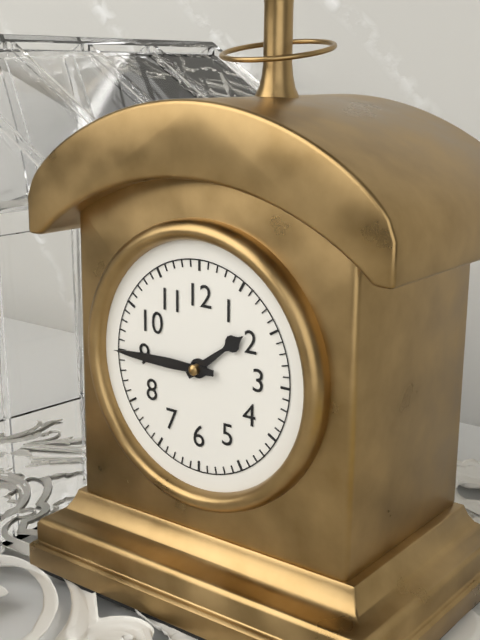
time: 1:45
